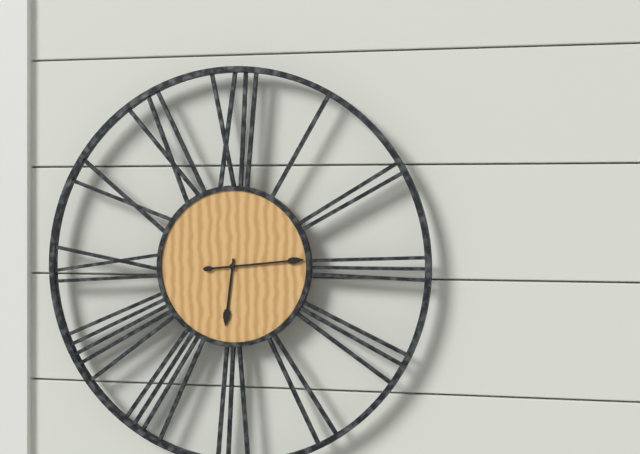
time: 6:14
